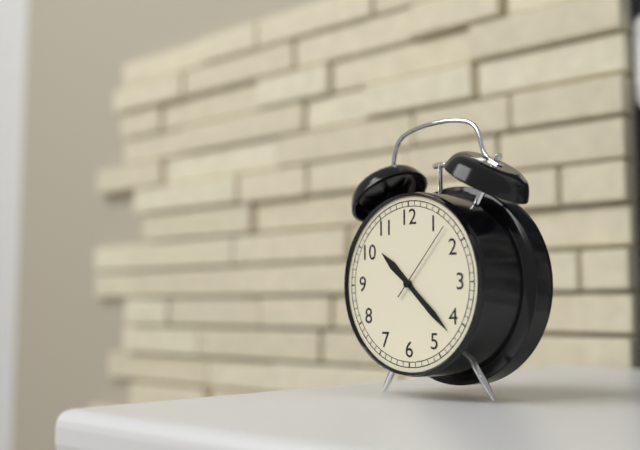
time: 10:22:07
